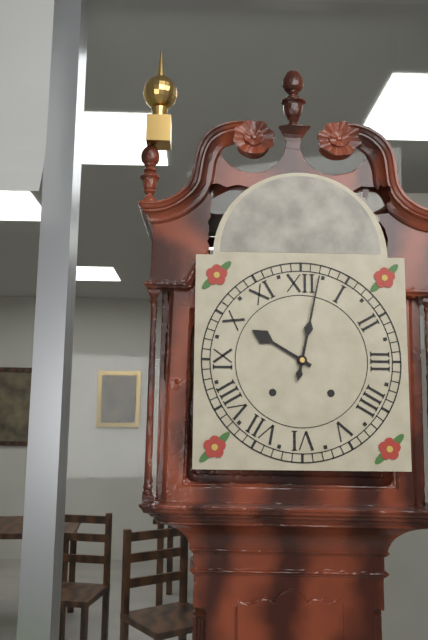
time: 10:02
